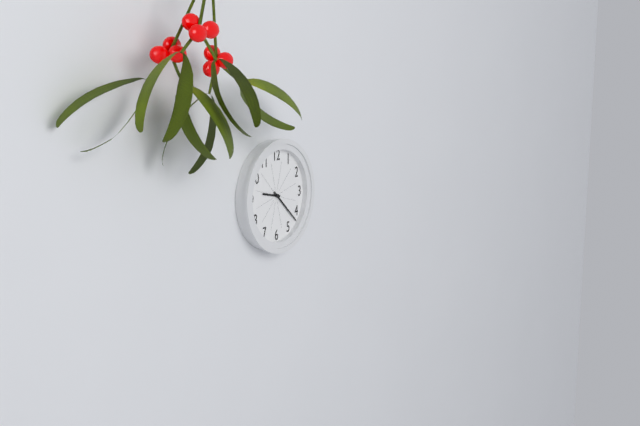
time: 9:22
